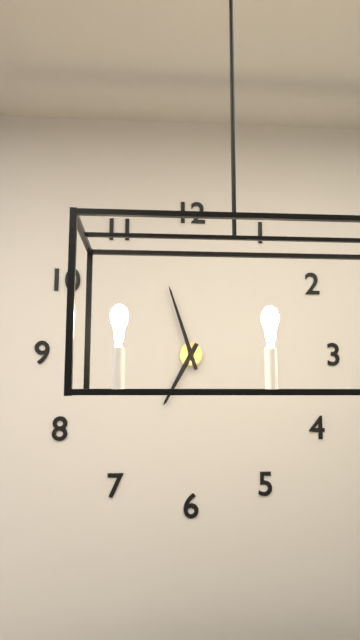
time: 6:57
